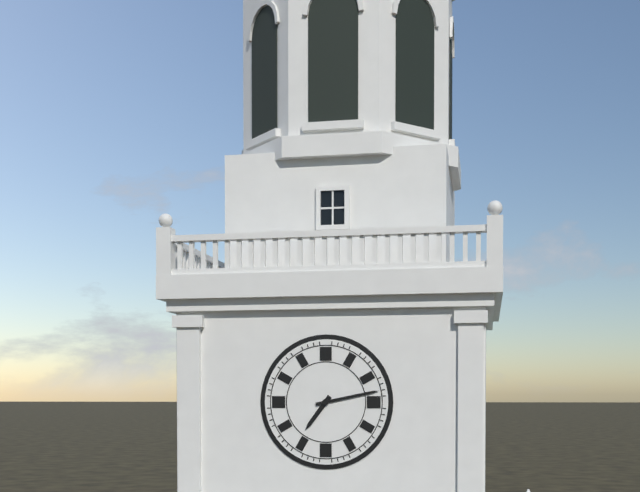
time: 7:13
